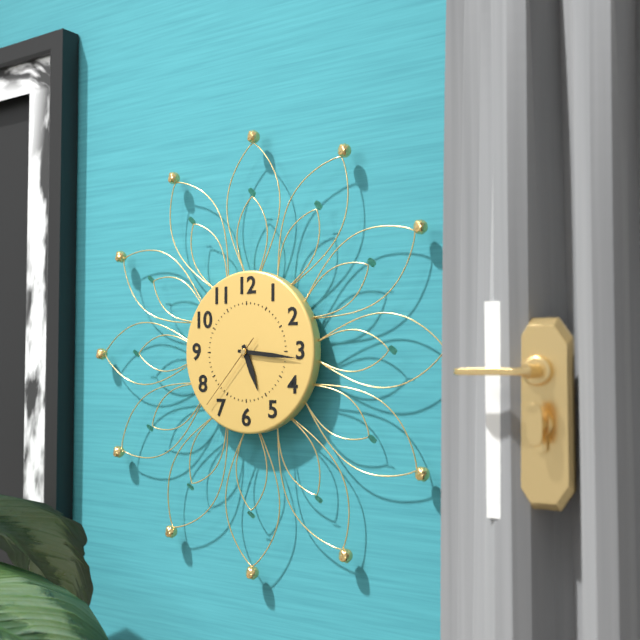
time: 5:16:37
